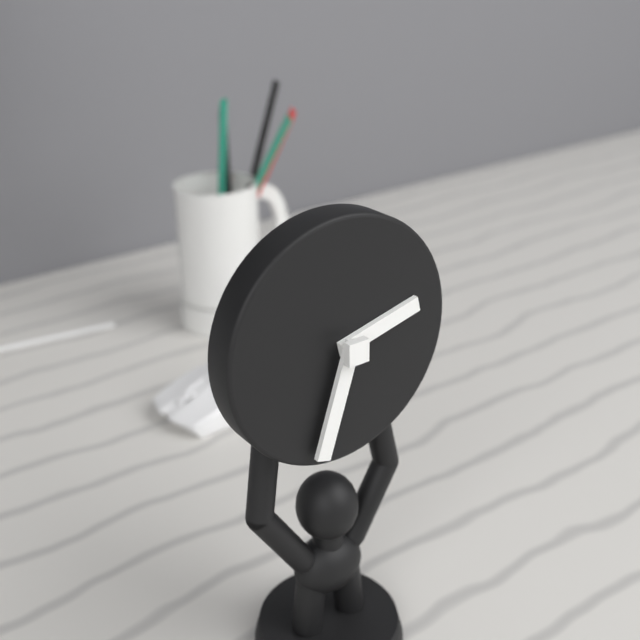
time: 2:33
